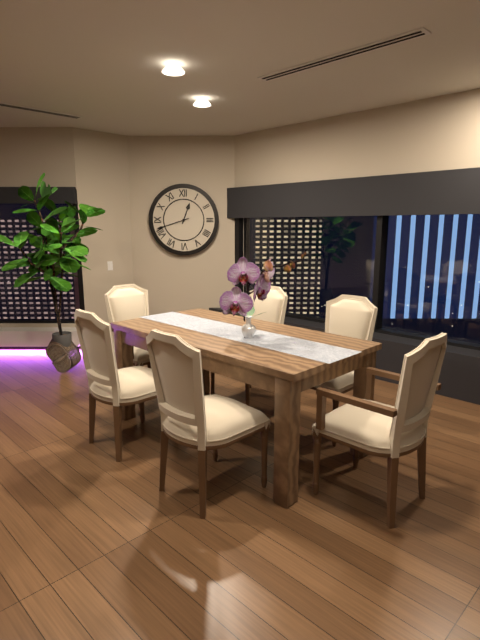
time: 12:42
